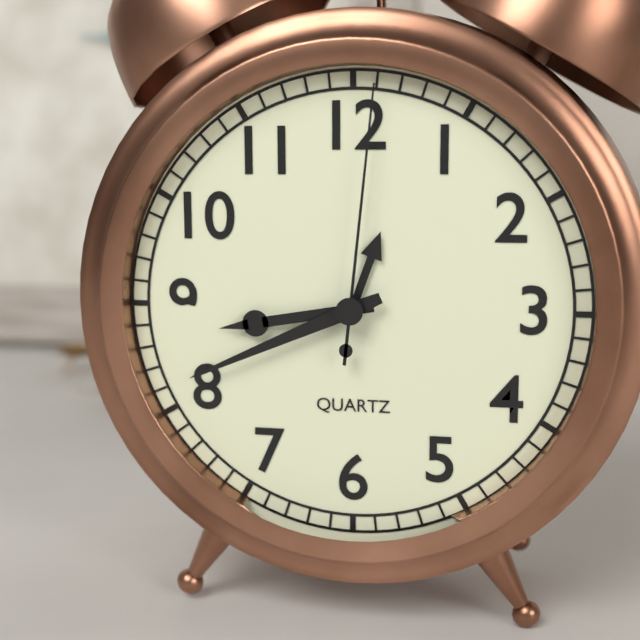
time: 8:41:01
